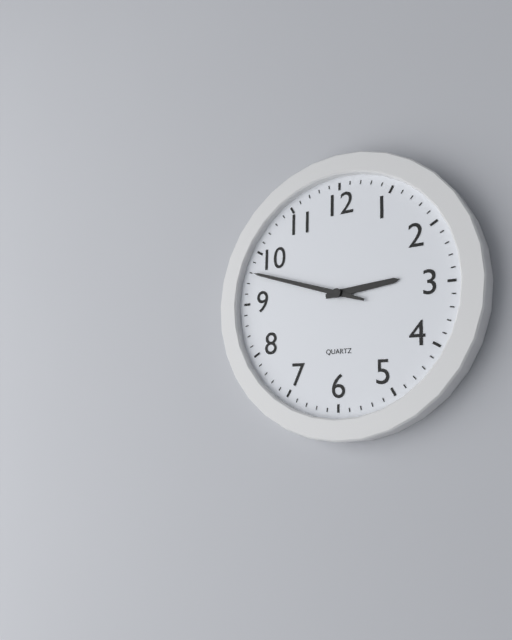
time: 2:48
